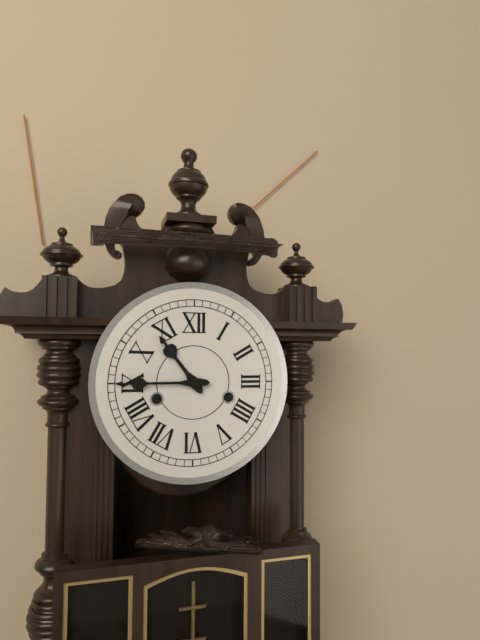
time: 10:45
